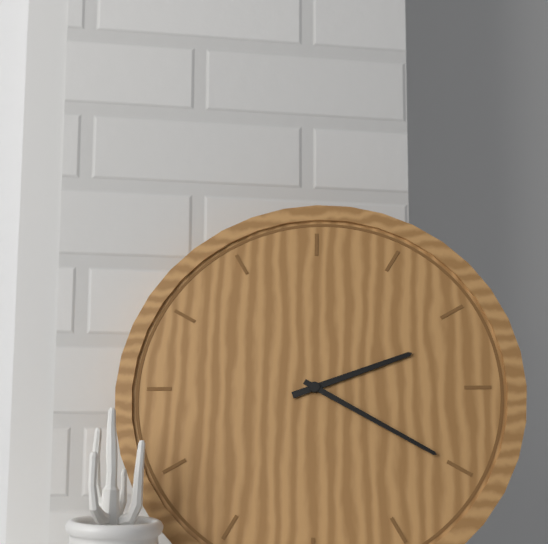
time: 2:20
